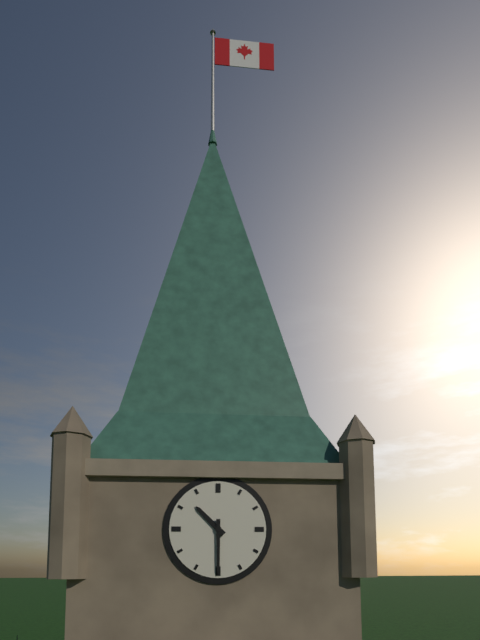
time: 10:30
